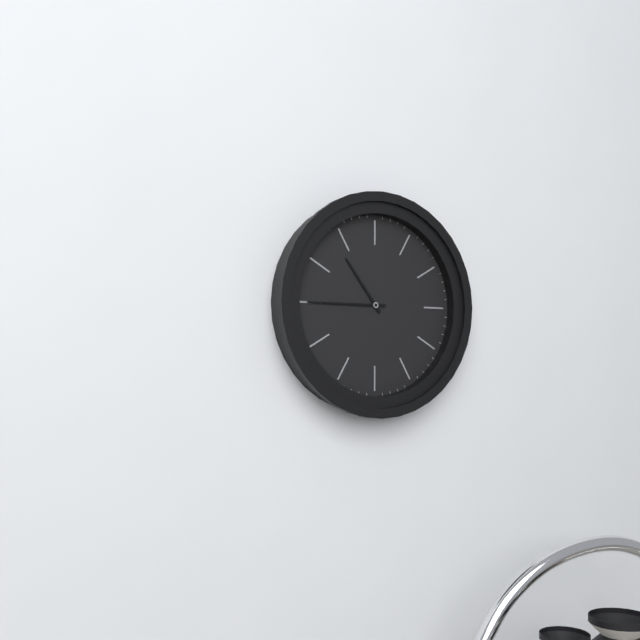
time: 10:45
